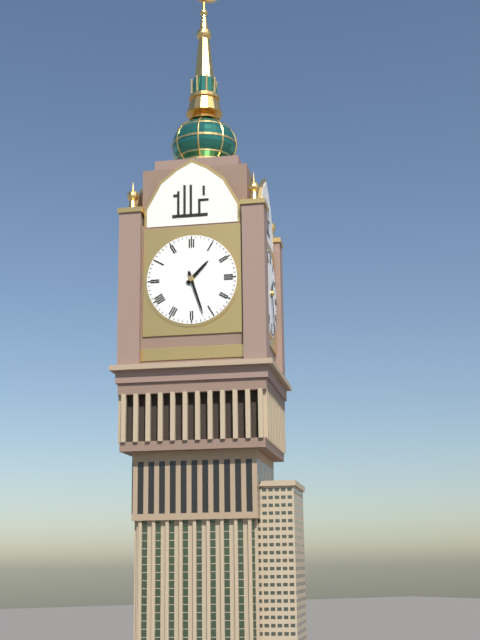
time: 1:27
